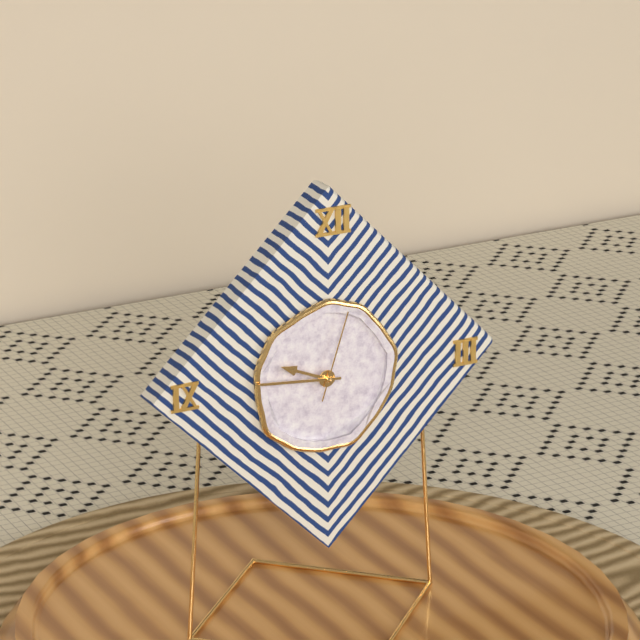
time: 9:46:03
